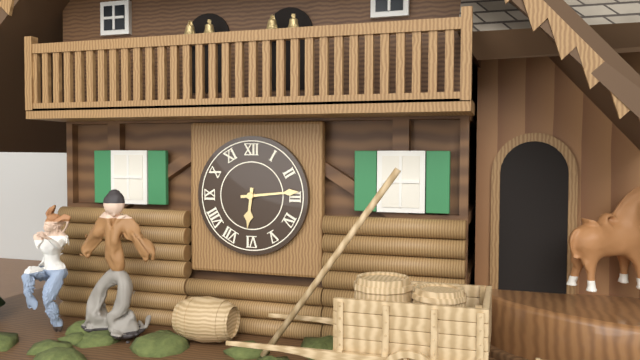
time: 6:14
